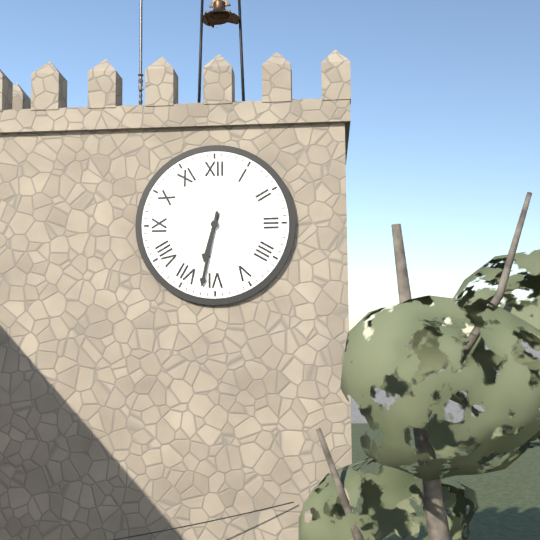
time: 6:32
